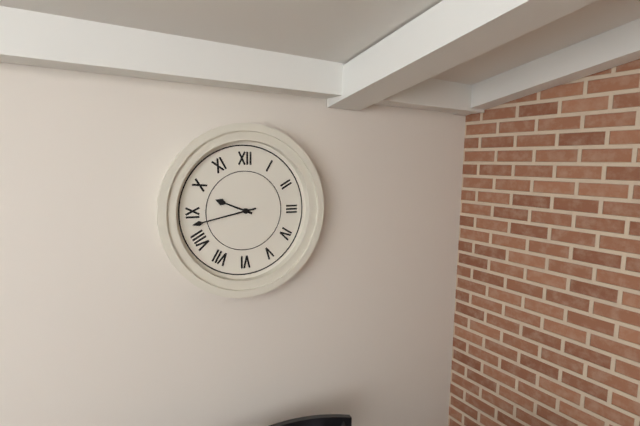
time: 9:43
